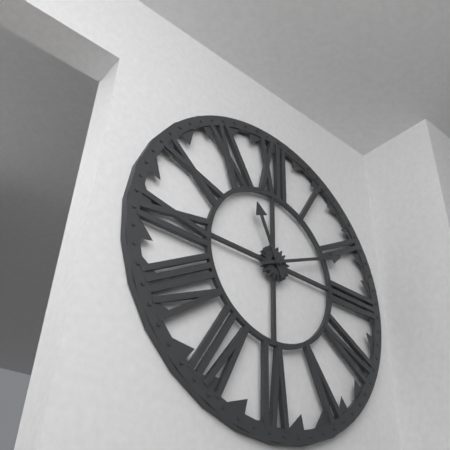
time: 11:11
